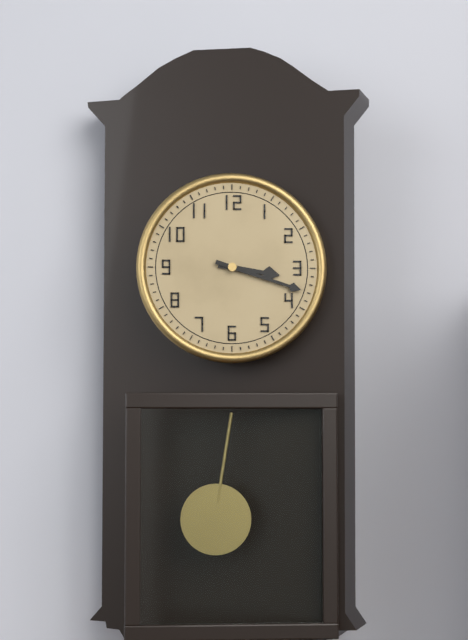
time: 3:18
